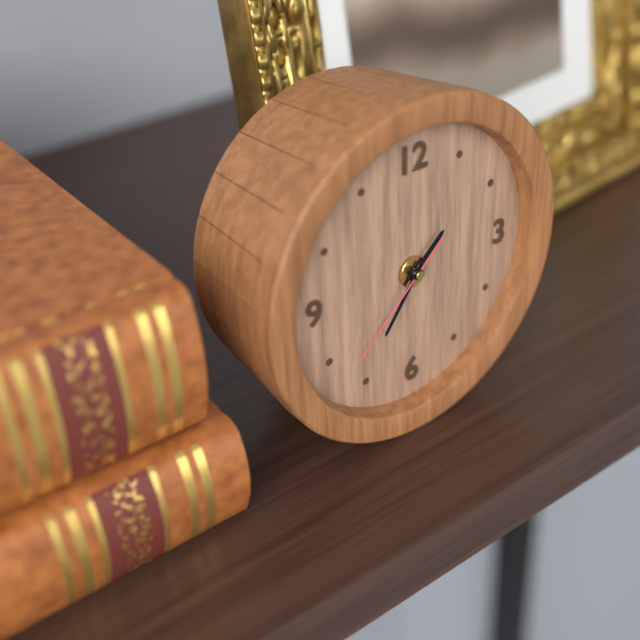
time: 1:36:38
